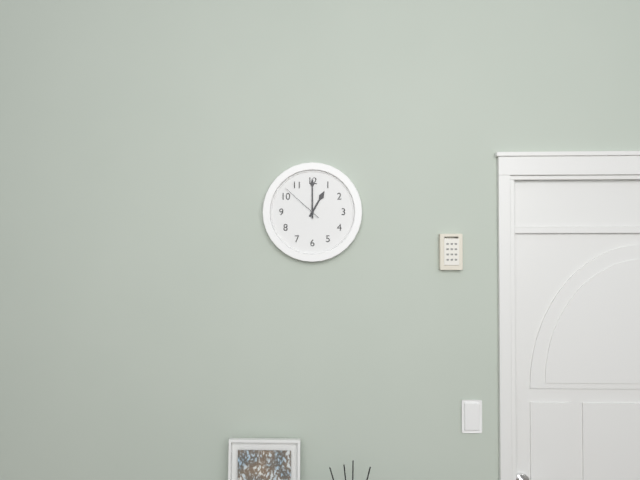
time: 1:00
